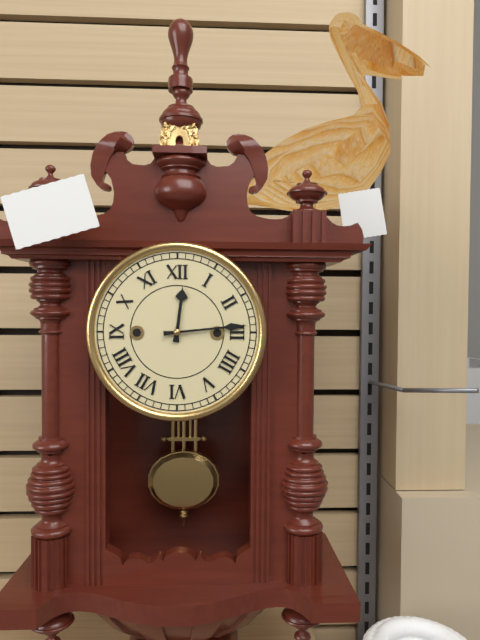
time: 12:14
